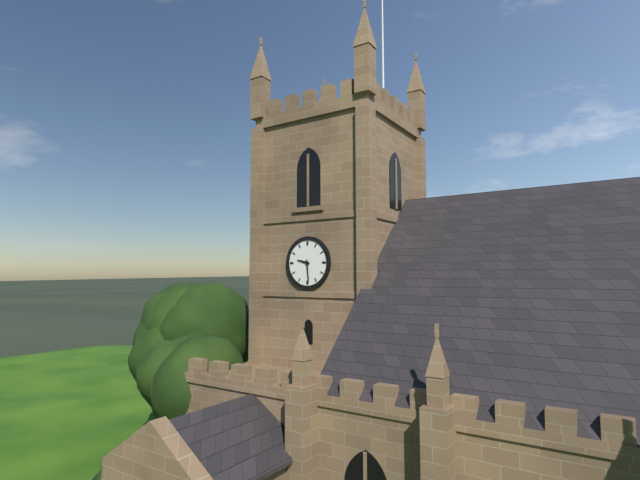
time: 9:29
